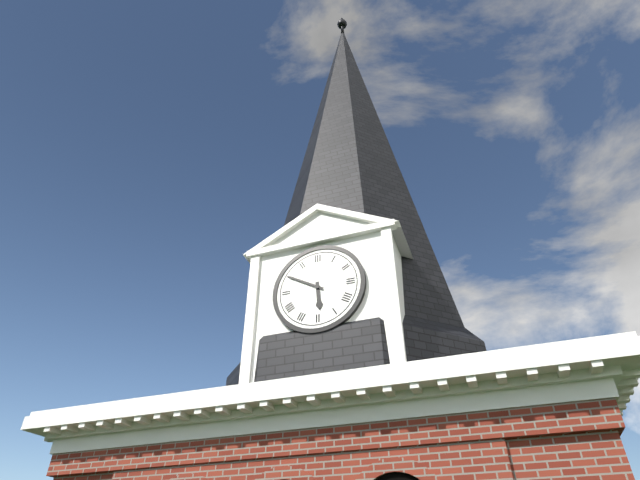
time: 5:50
